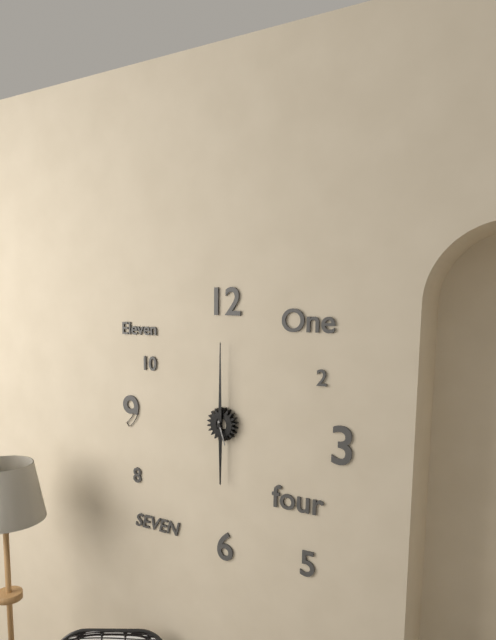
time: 6:00
